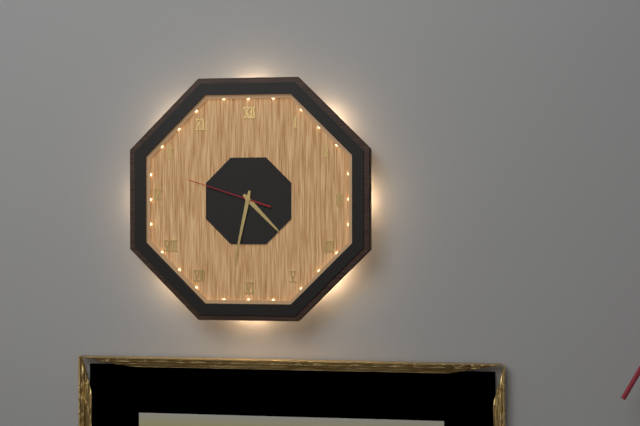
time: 4:32:48
